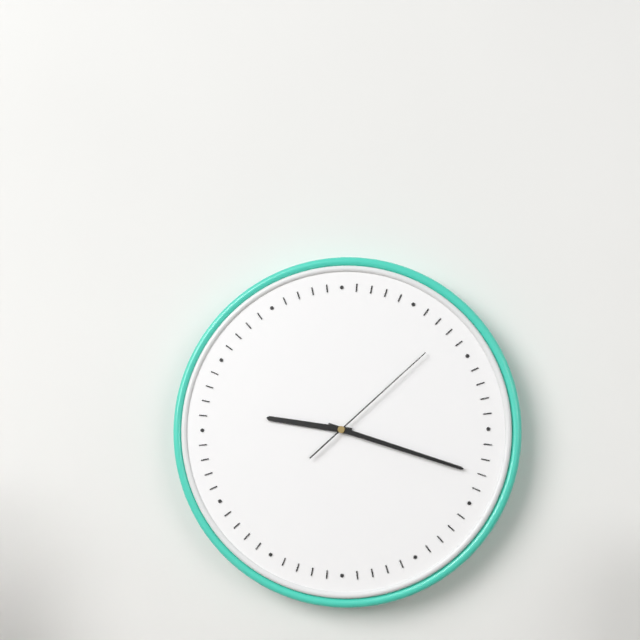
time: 9:18:08
